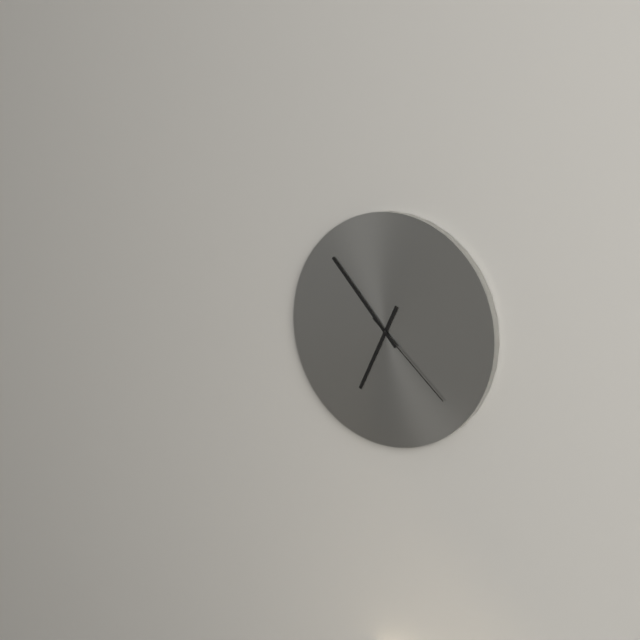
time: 6:53:22
